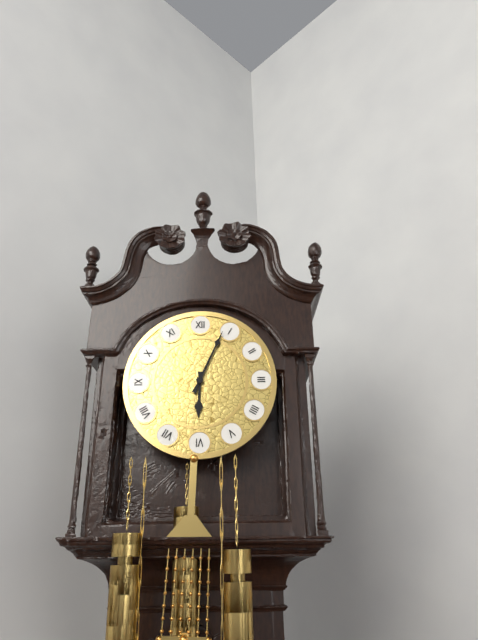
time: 6:04
